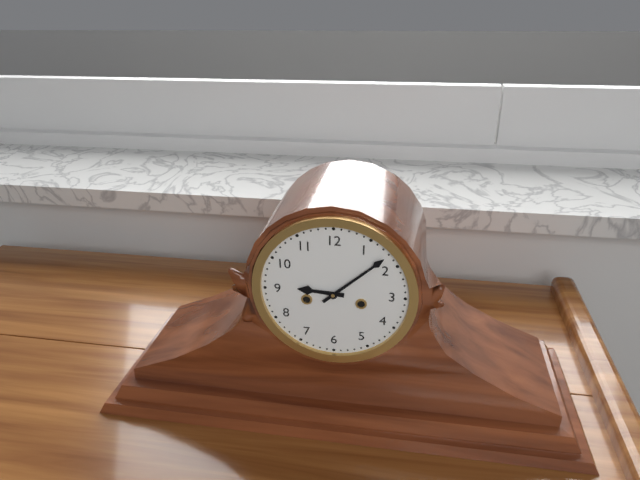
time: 9:08
